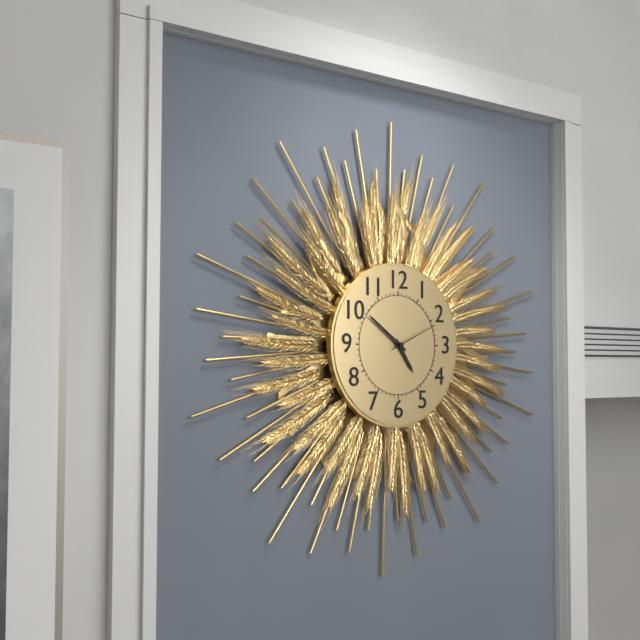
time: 4:51:11
